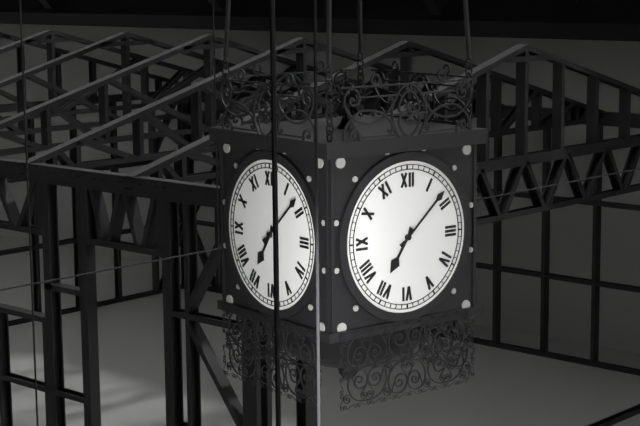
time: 7:08
